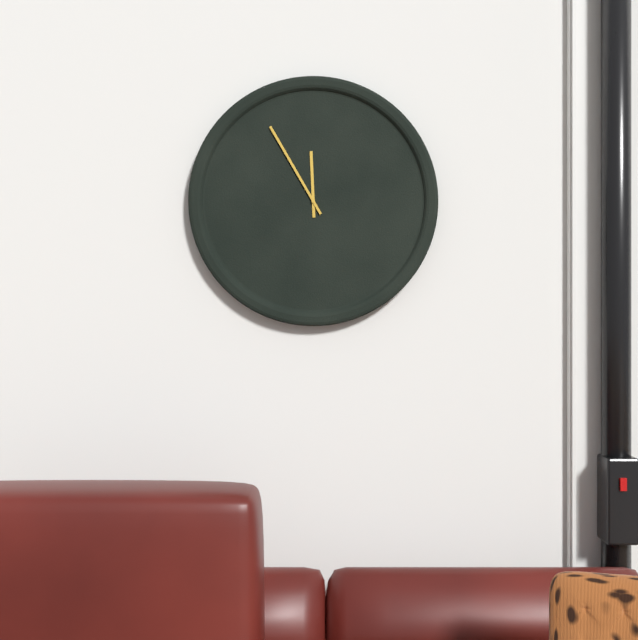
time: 11:55
